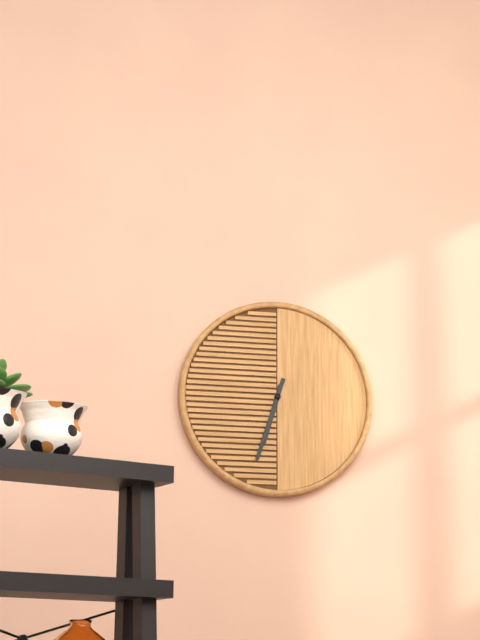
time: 6:33
